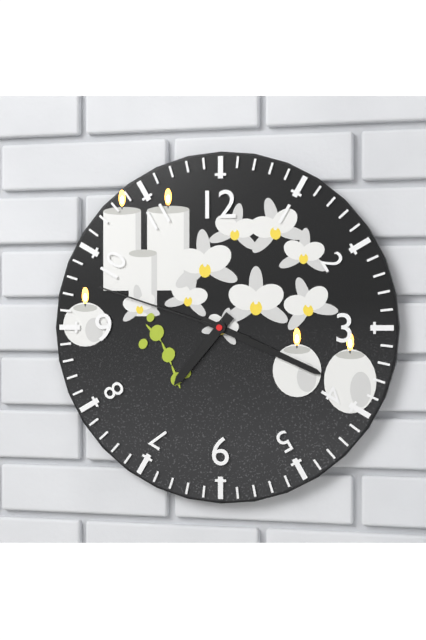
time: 7:19:48
